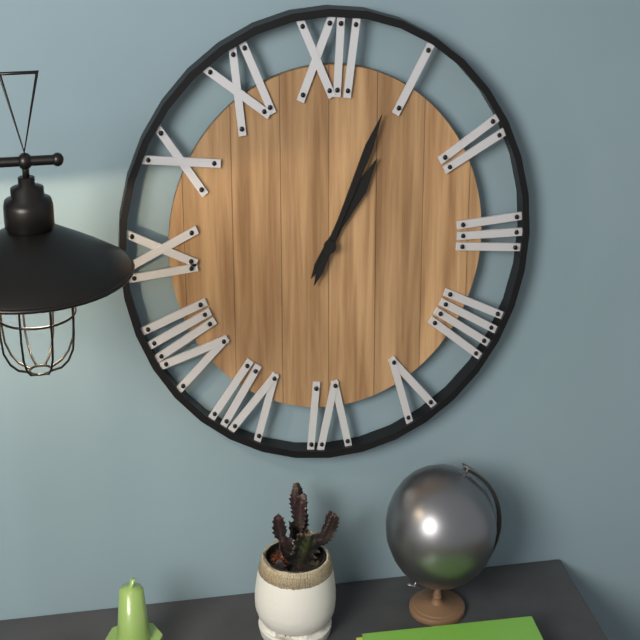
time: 1:04
